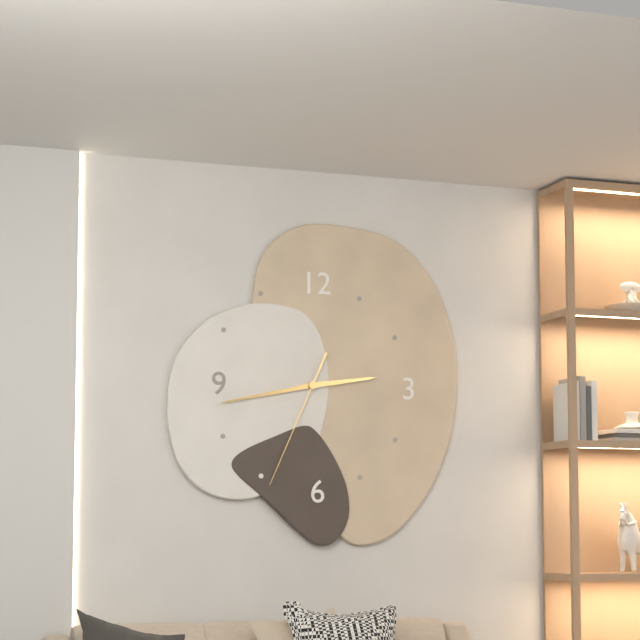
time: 2:43:34
